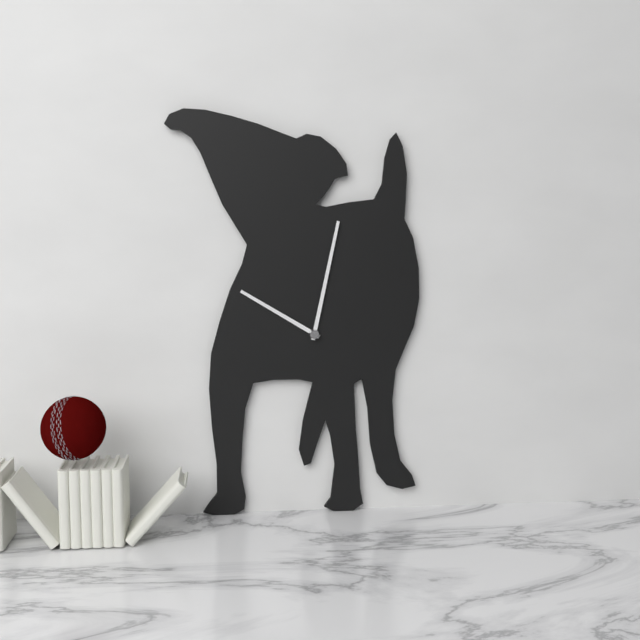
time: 10:02
